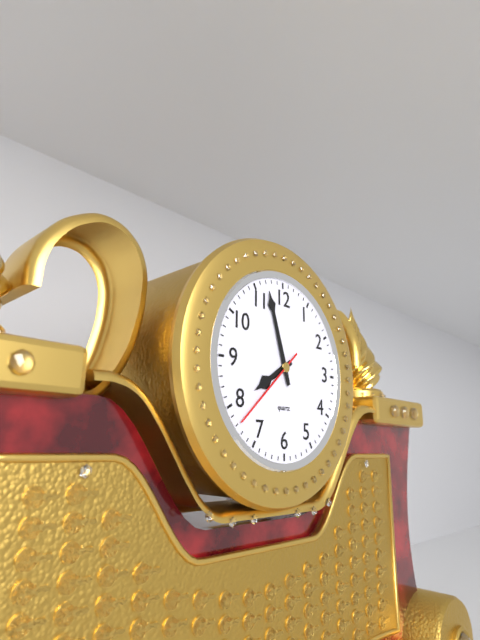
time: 7:57:38
